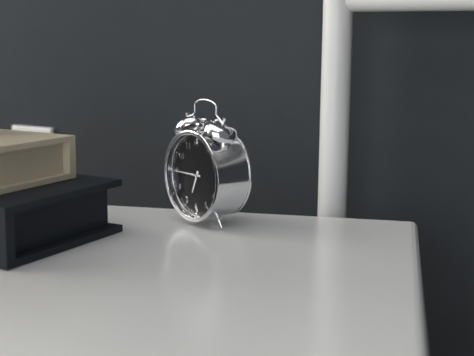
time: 6:45
